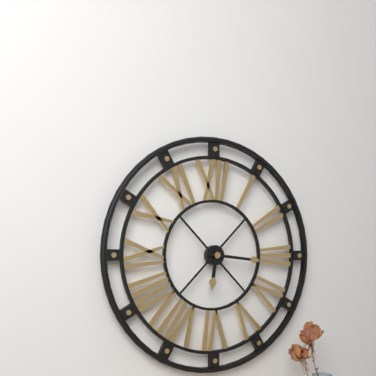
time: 6:16
